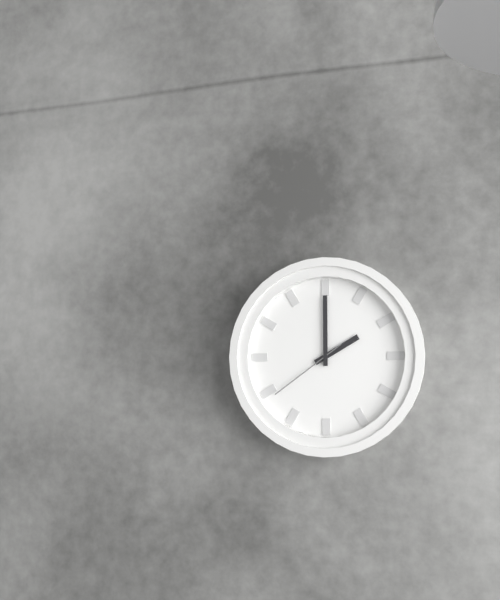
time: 2:00:39
